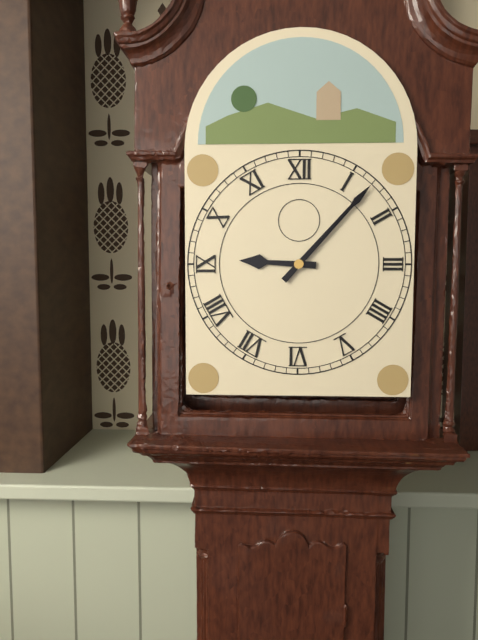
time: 9:07
